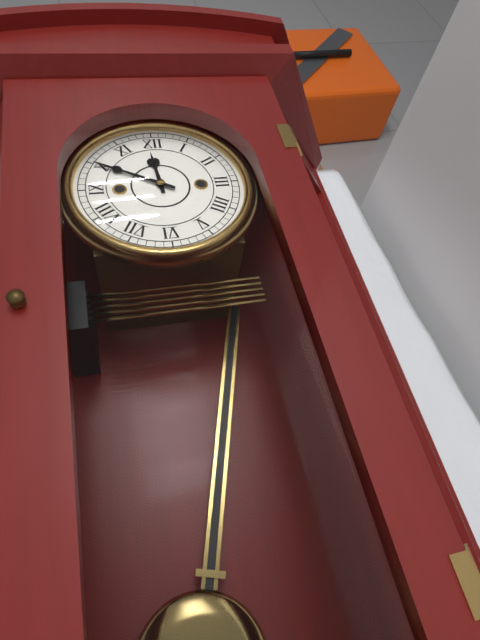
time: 11:50
